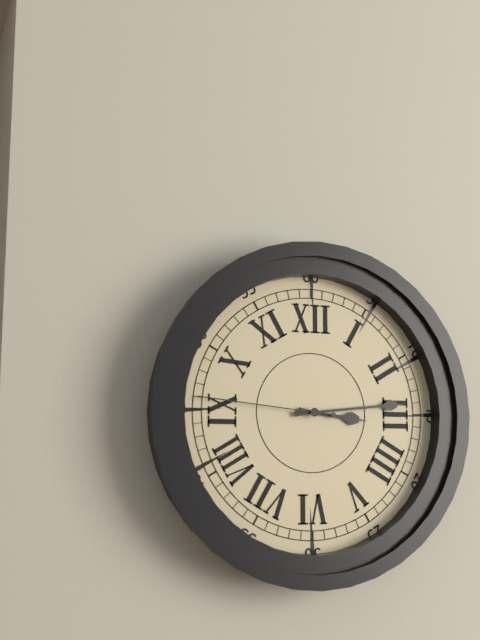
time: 3:14:46
